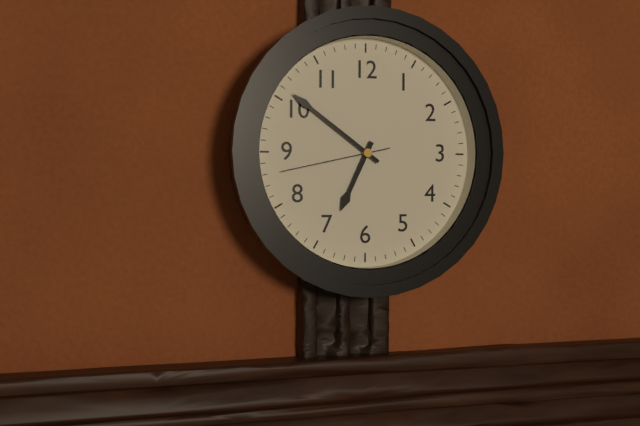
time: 6:51:43
